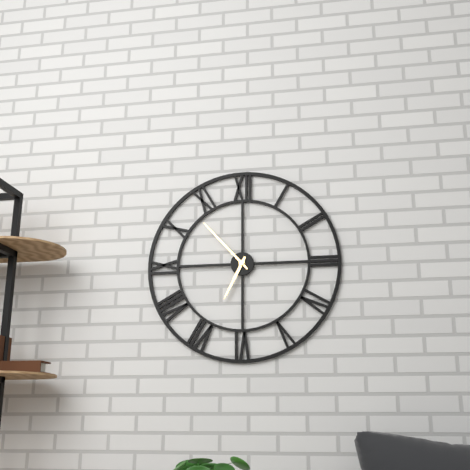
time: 6:53
